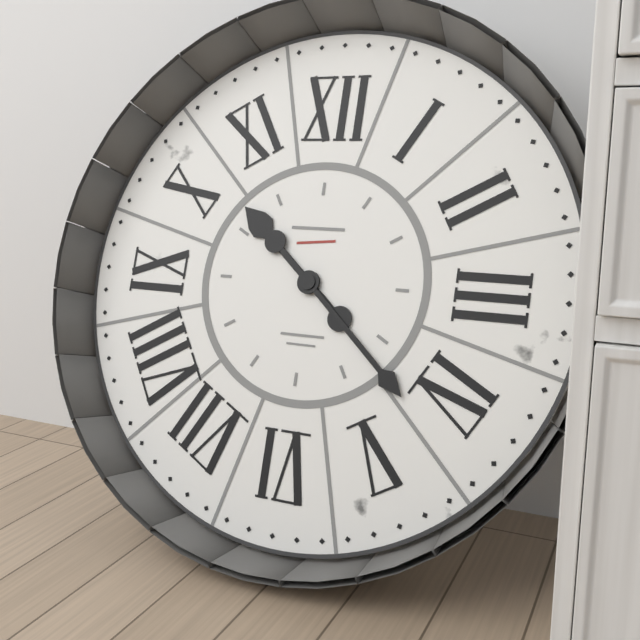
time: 10:22
